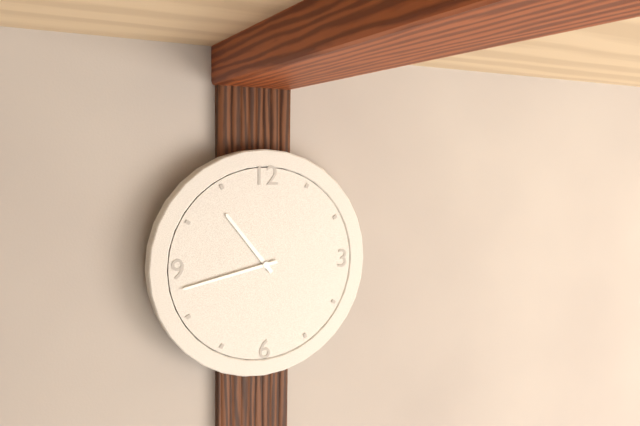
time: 10:43
